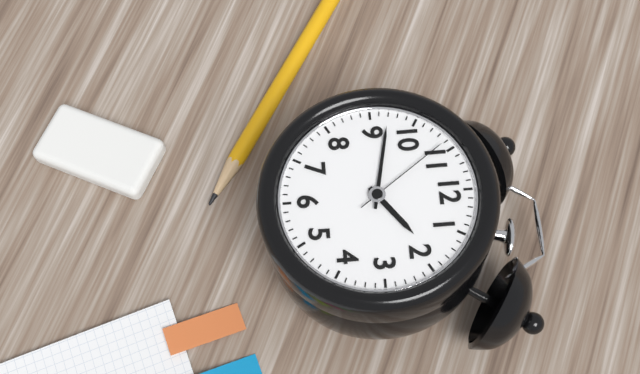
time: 1:47:54
